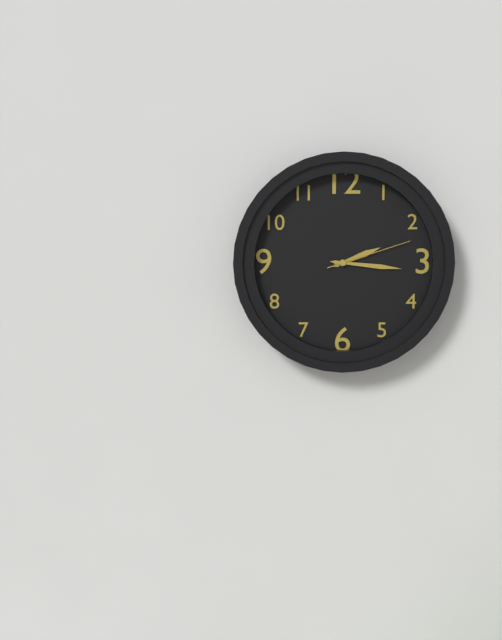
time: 2:16:12
